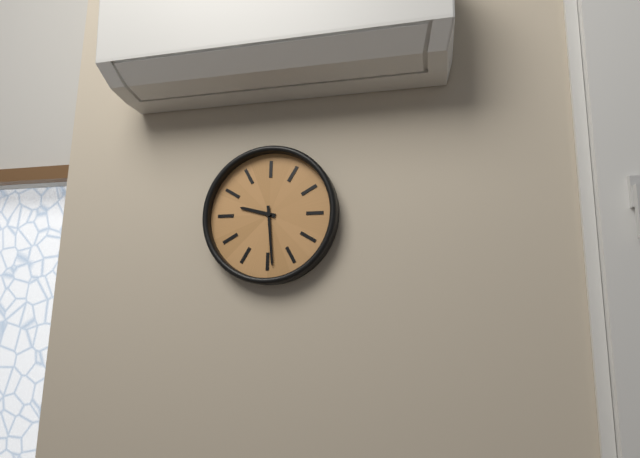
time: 9:29
